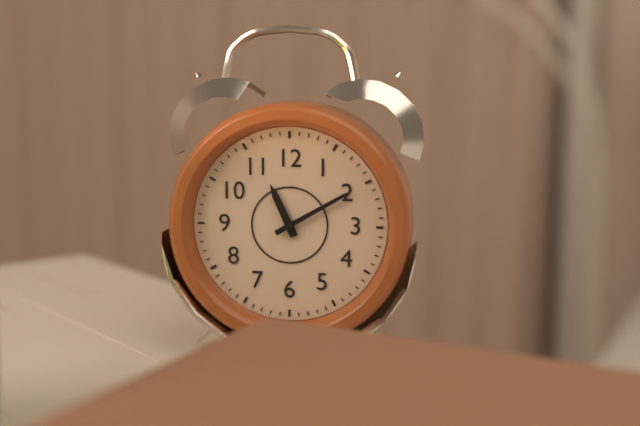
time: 11:10
